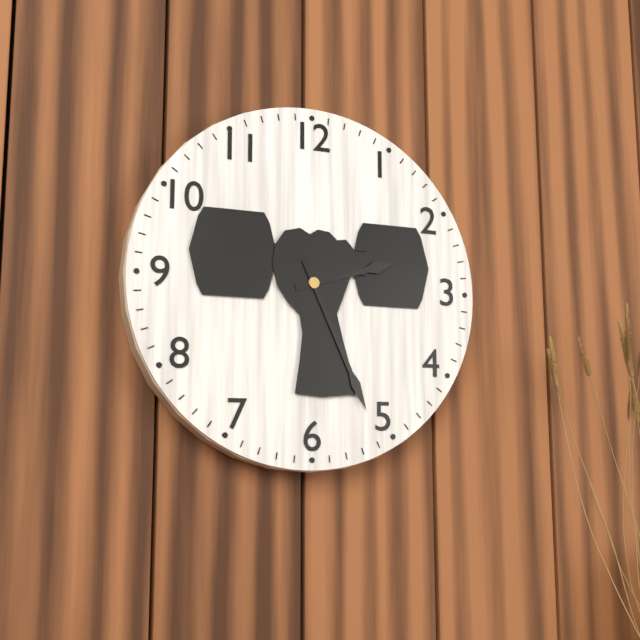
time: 2:26
